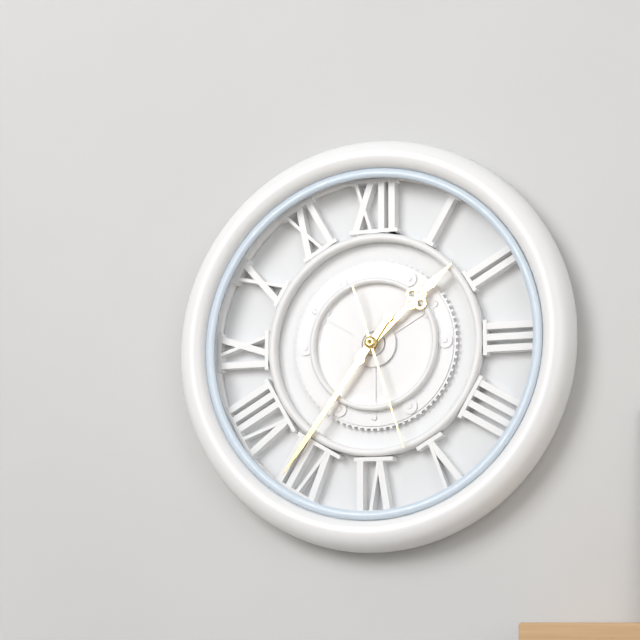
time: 1:36:27
